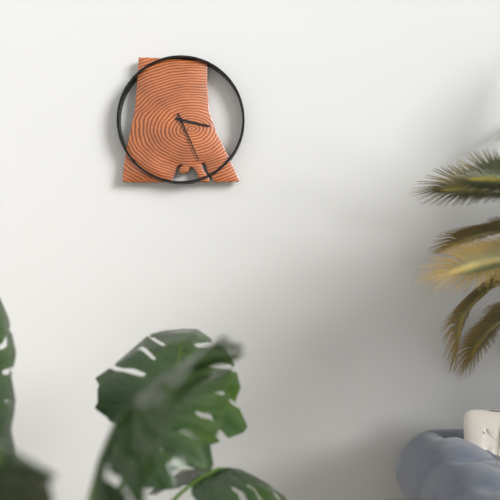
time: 3:26
